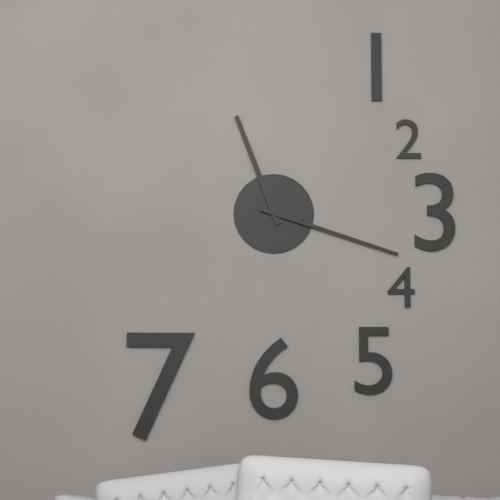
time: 11:18
